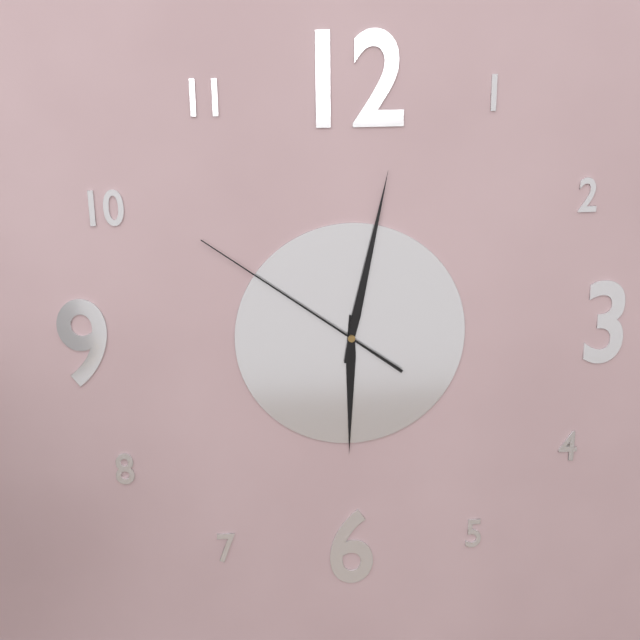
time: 6:02:51
